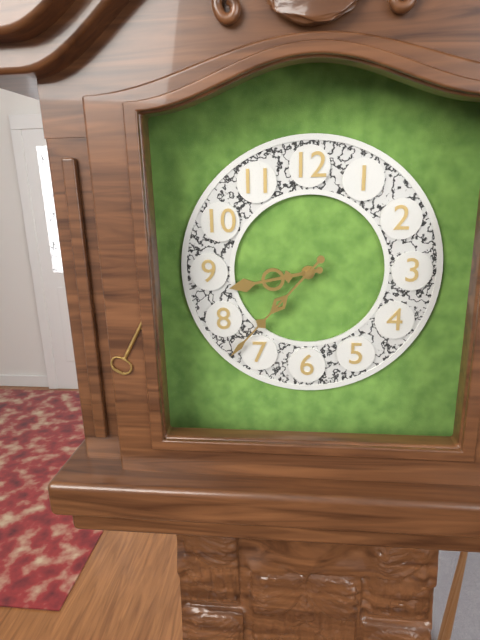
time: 8:37
